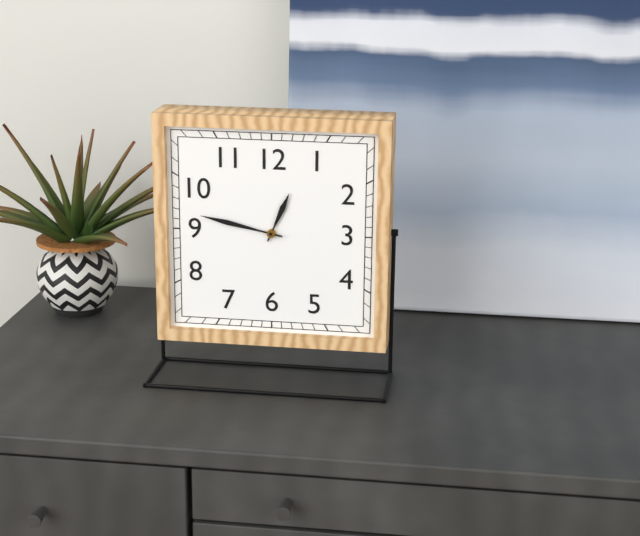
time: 12:47
